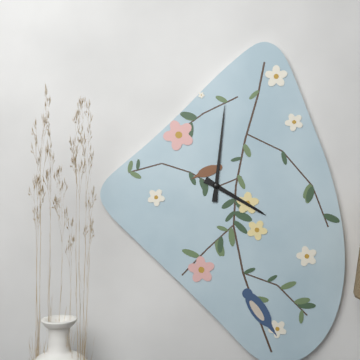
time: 4:01
